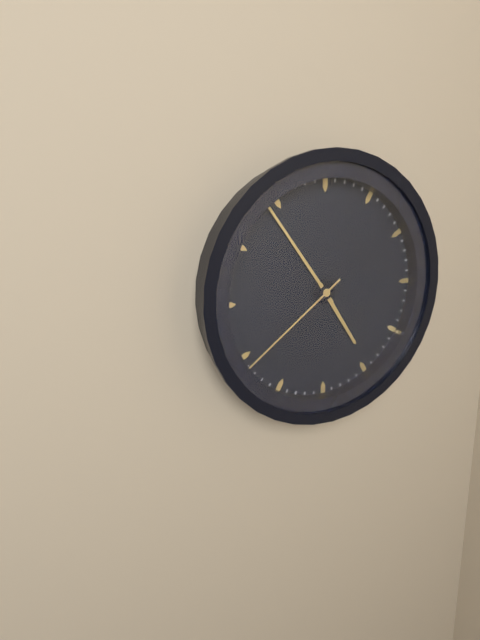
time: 4:54:39
